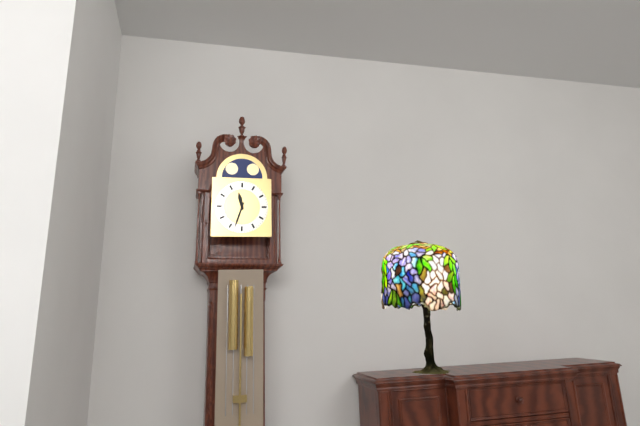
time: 11:33
